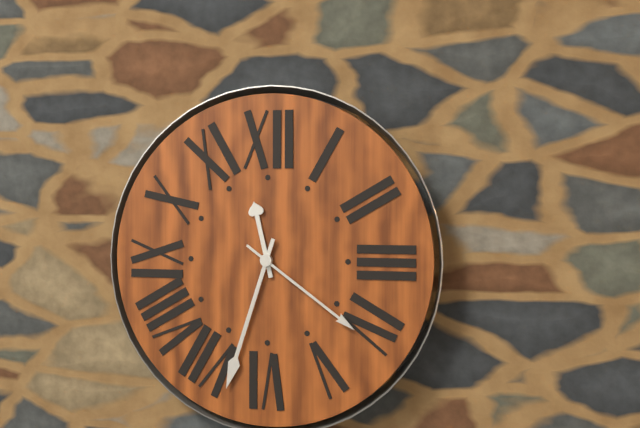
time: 11:33:21
